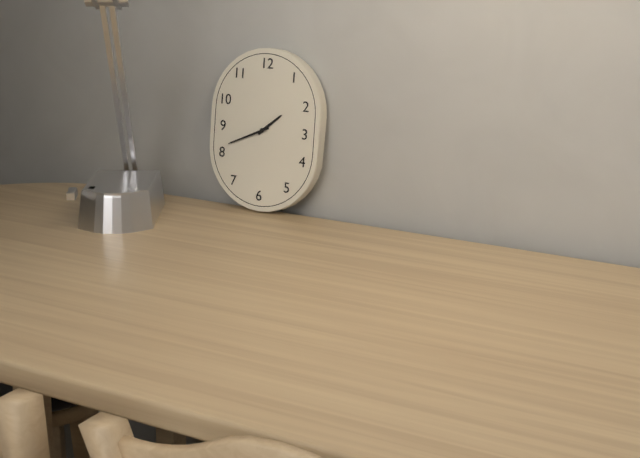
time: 1:41
